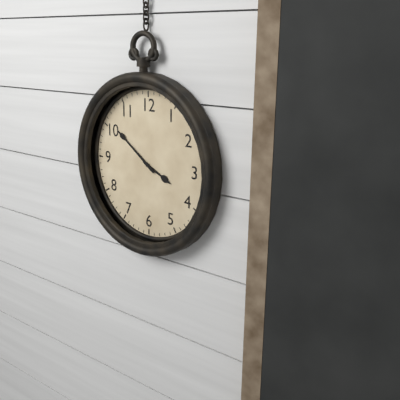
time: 3:51
